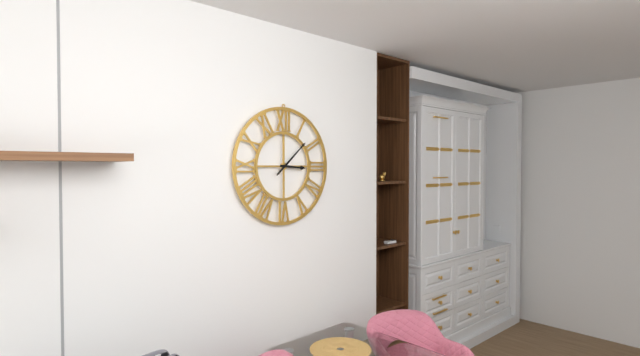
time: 3:08
